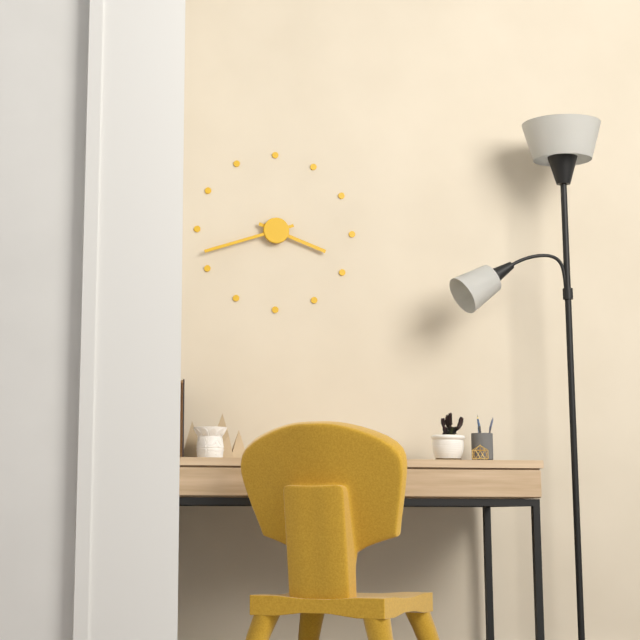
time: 3:42
